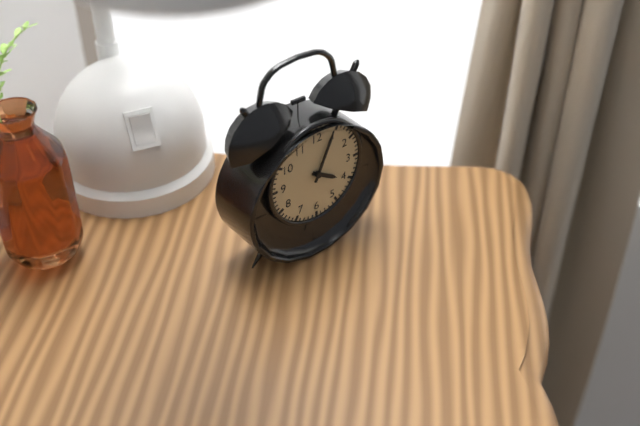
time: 4:04
